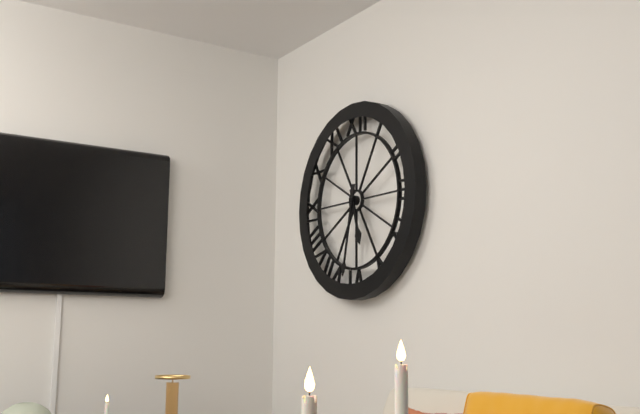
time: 5:32
